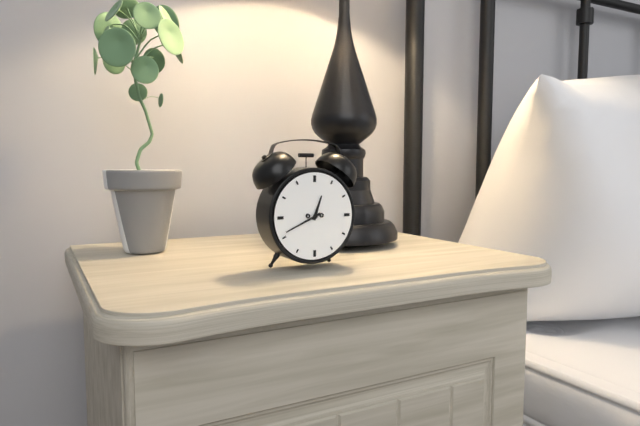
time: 12:41
